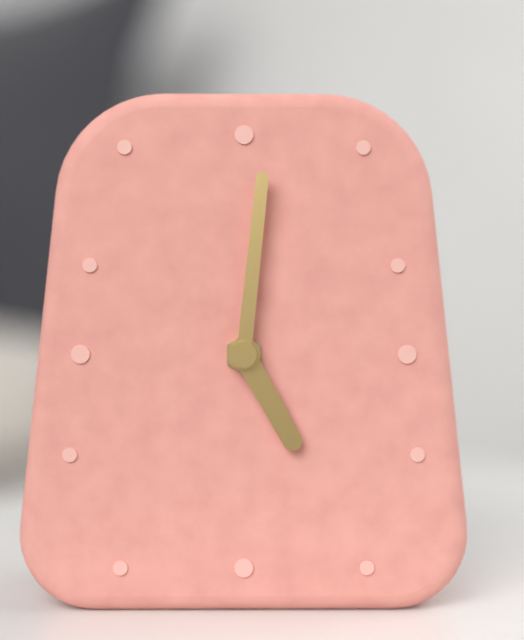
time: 5:01
